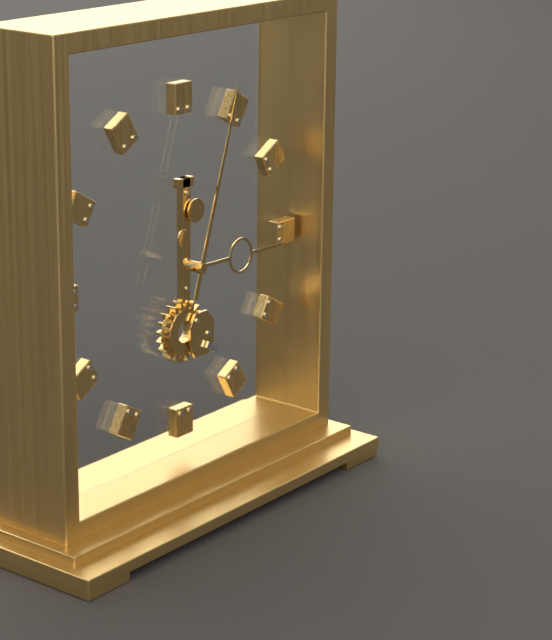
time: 3:03
